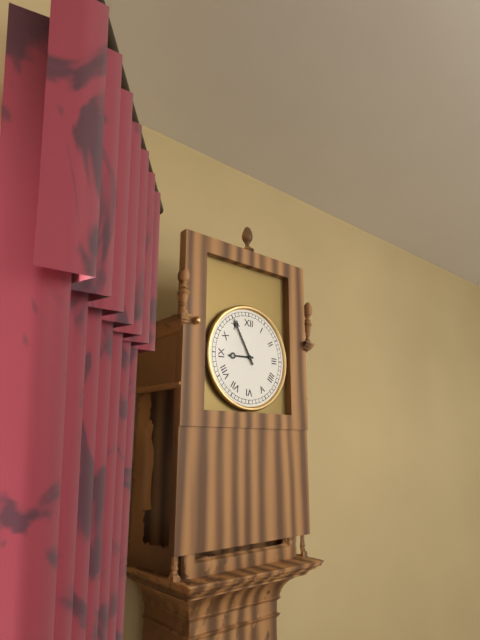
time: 8:55
